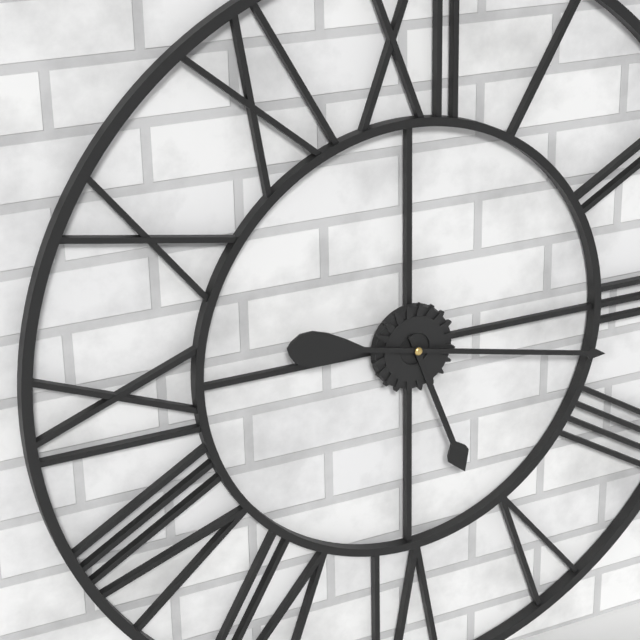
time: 5:17
